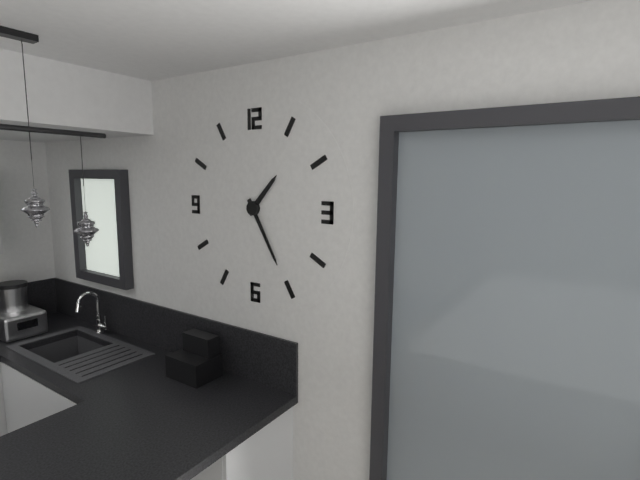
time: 1:25
